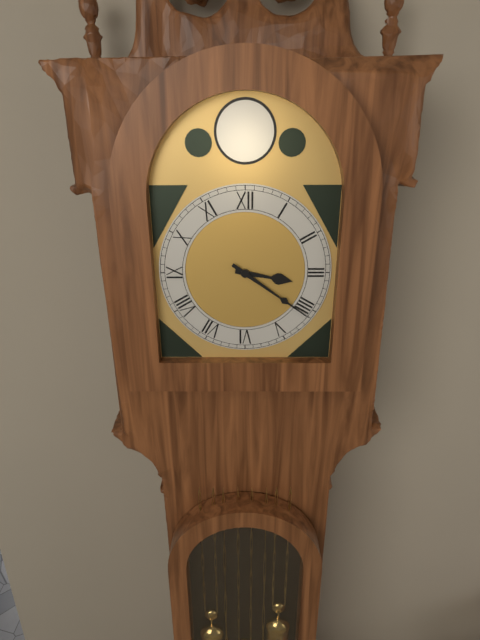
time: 3:21
